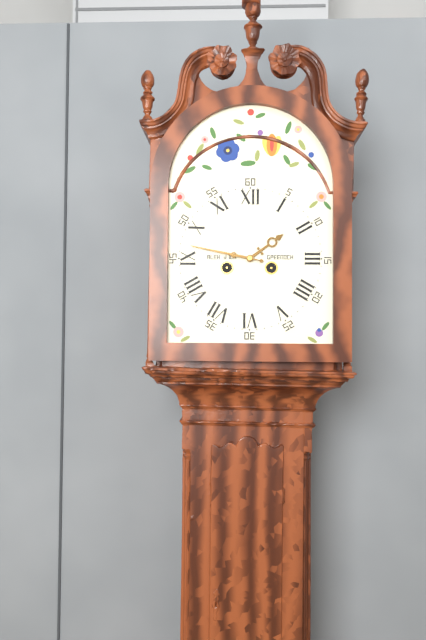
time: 1:47
